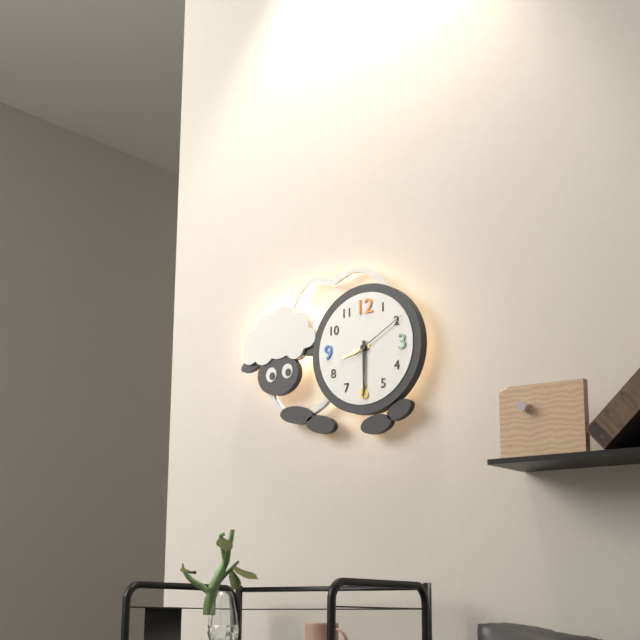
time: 8:30:10
